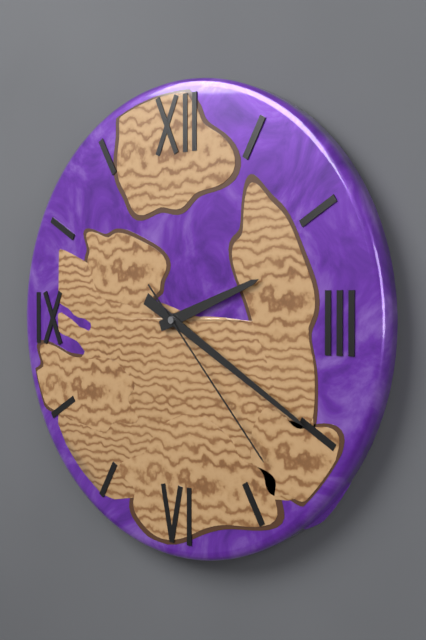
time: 2:20:23
